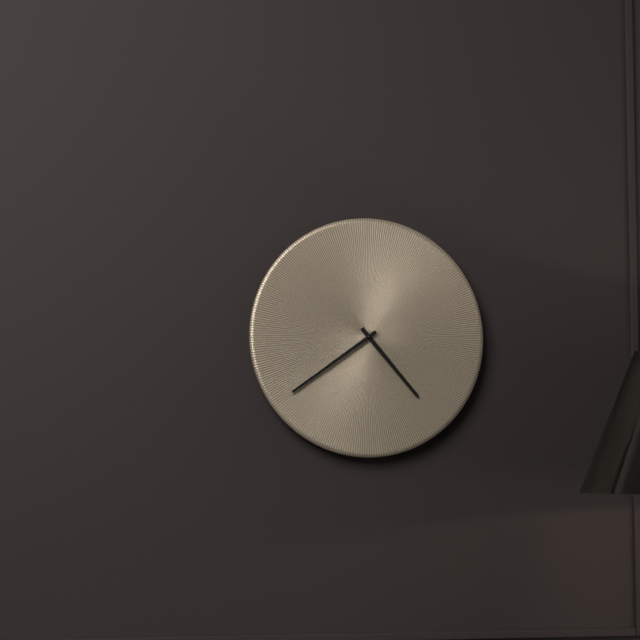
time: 4:39
